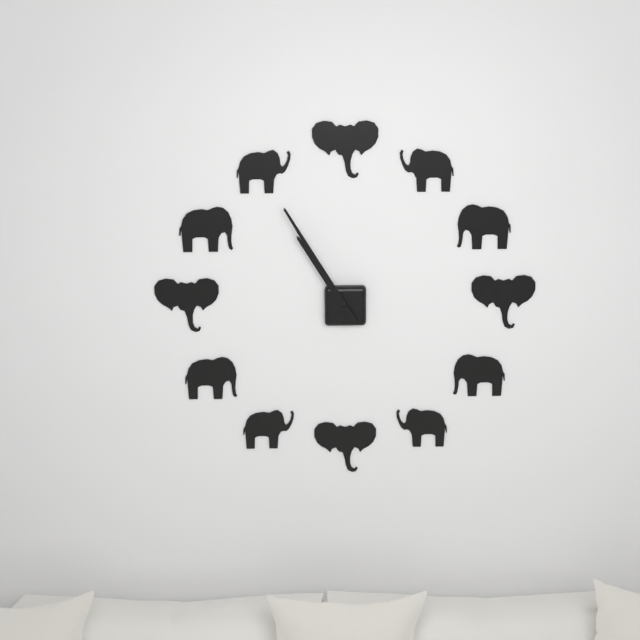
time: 10:55
